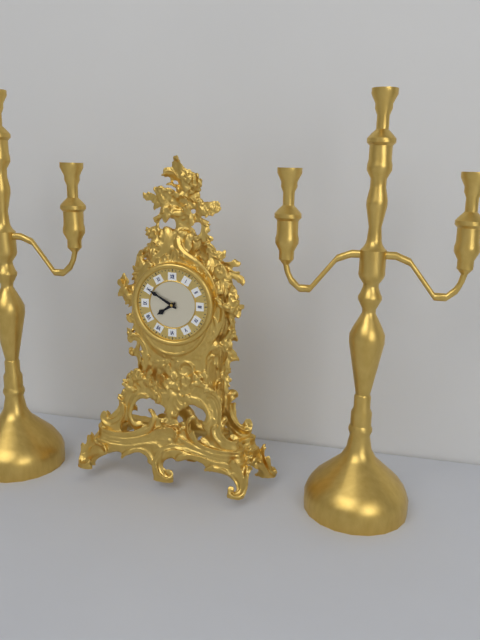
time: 7:50
